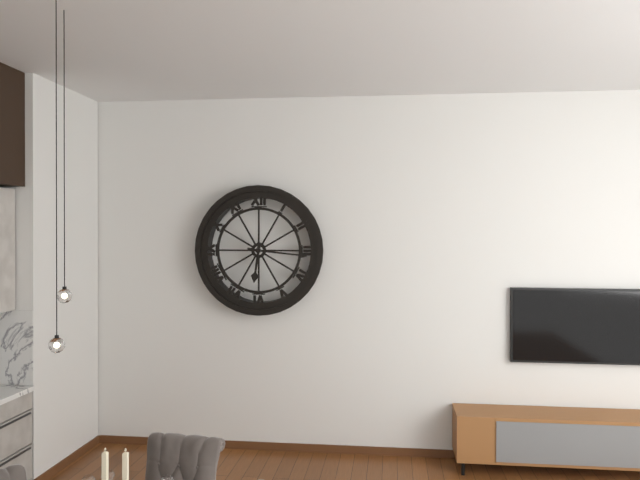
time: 6:16
